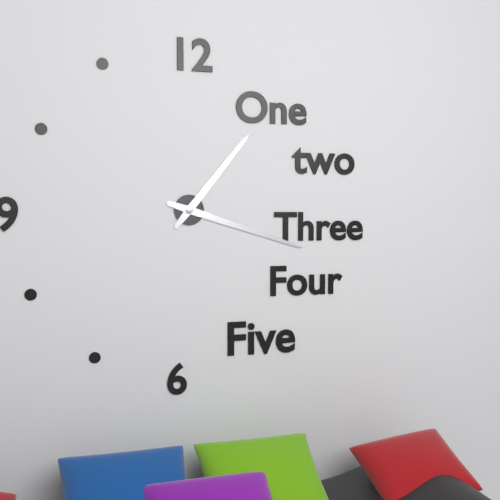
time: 1:18
